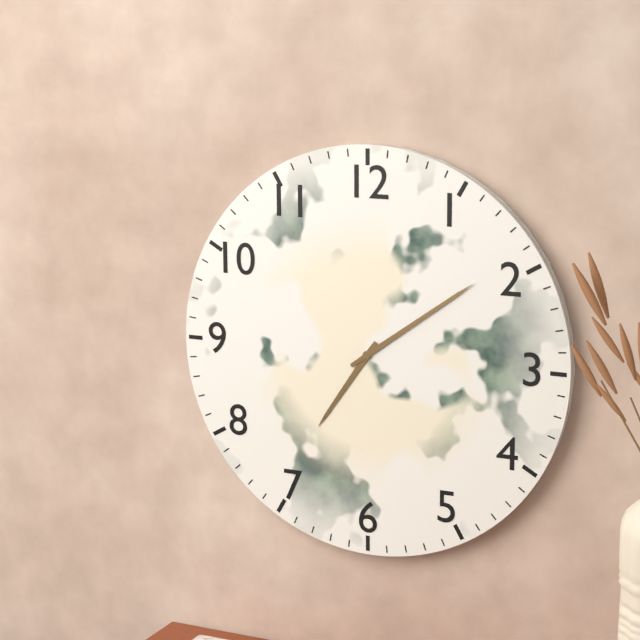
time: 7:09
